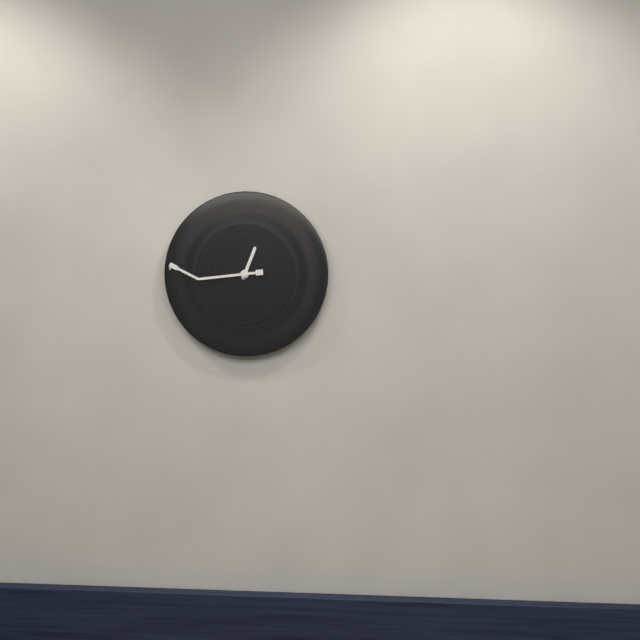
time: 12:44
